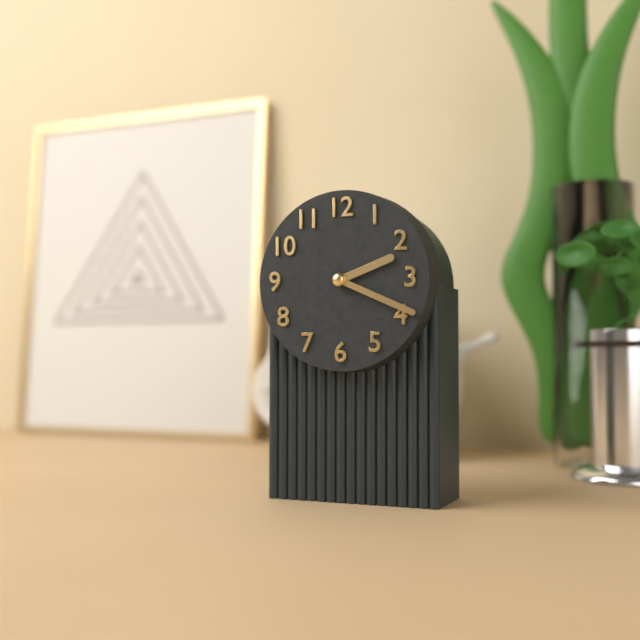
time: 2:19
